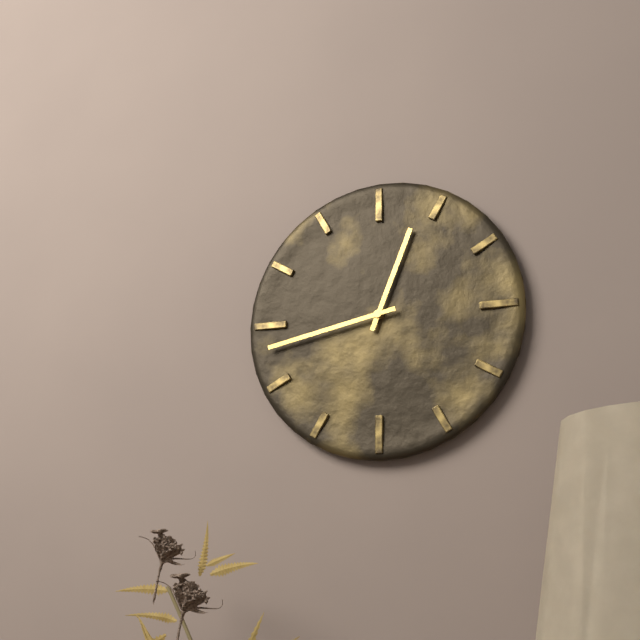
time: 12:43
